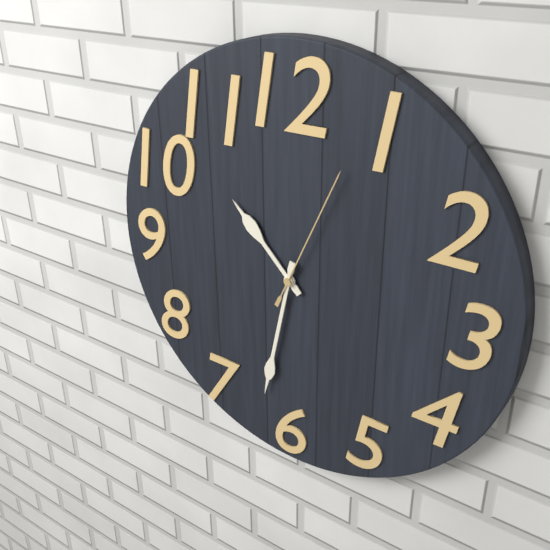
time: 10:32:04
